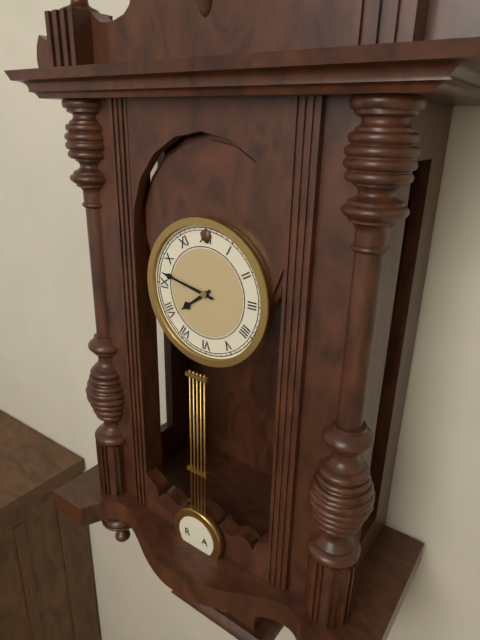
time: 7:47
